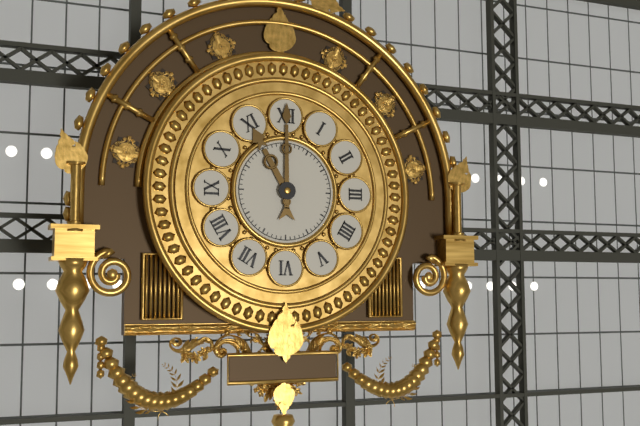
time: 11:00
